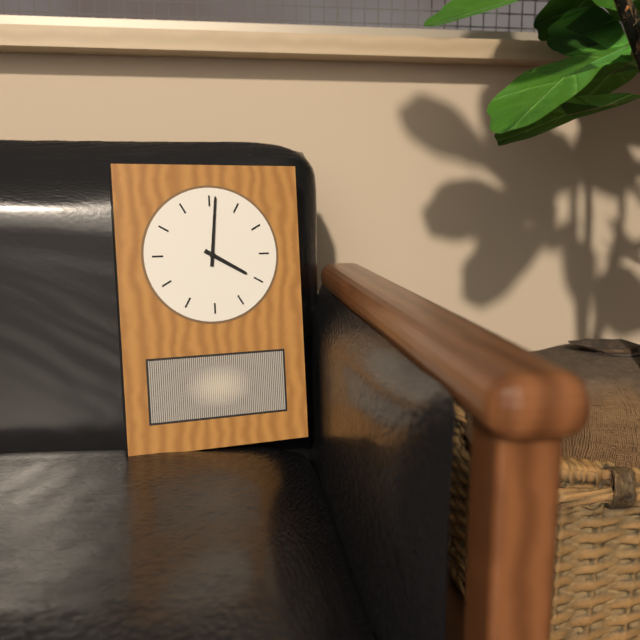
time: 4:01
